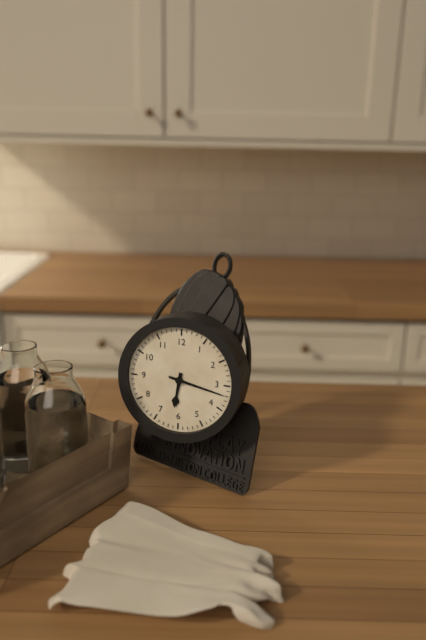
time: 6:17
